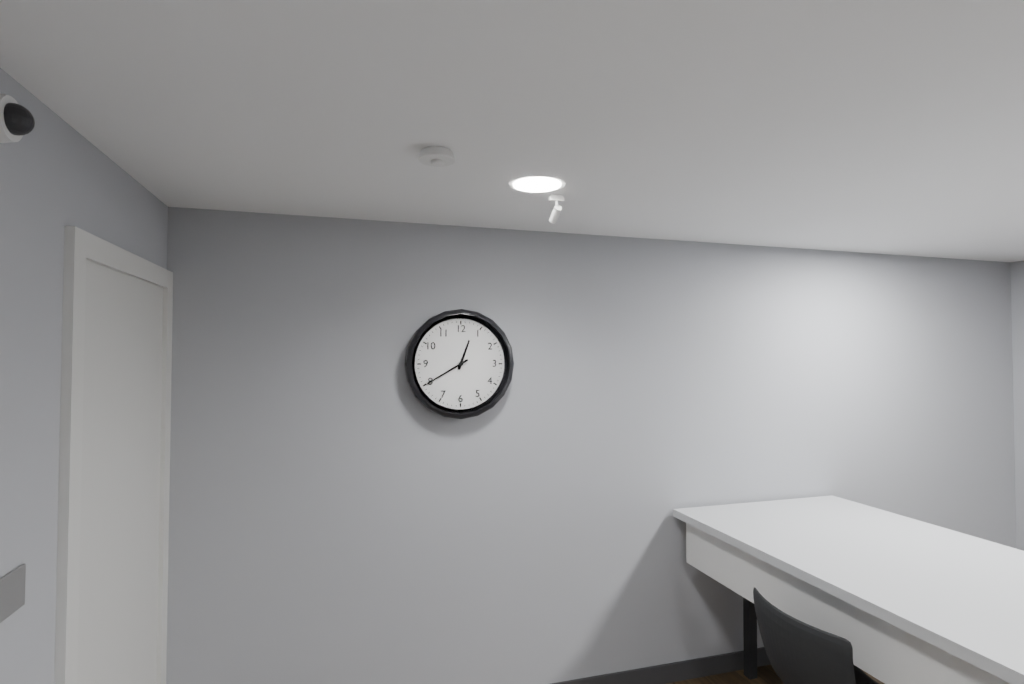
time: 12:40
